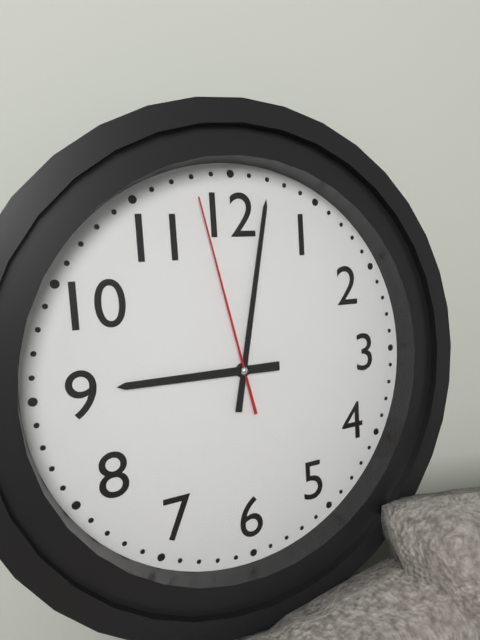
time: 9:02:58
